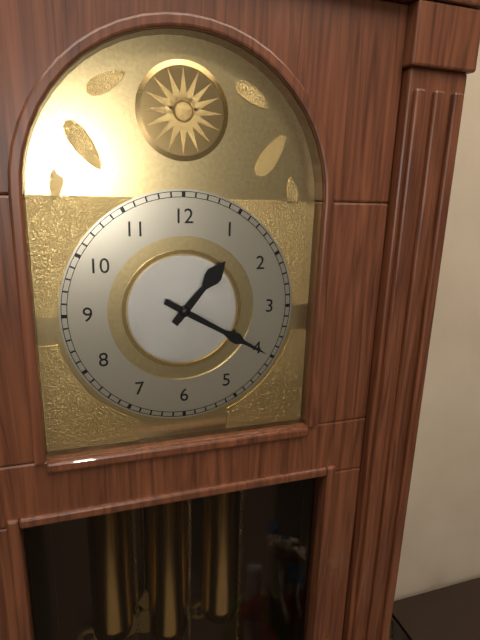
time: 1:20
